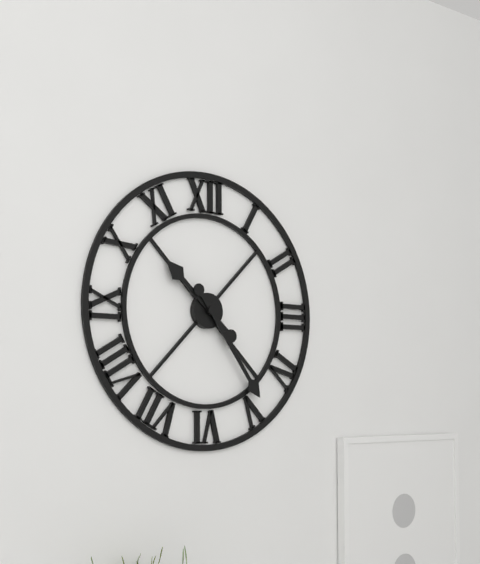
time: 10:24
